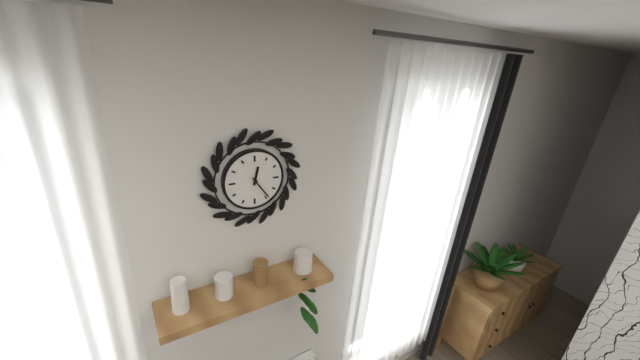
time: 12:24
